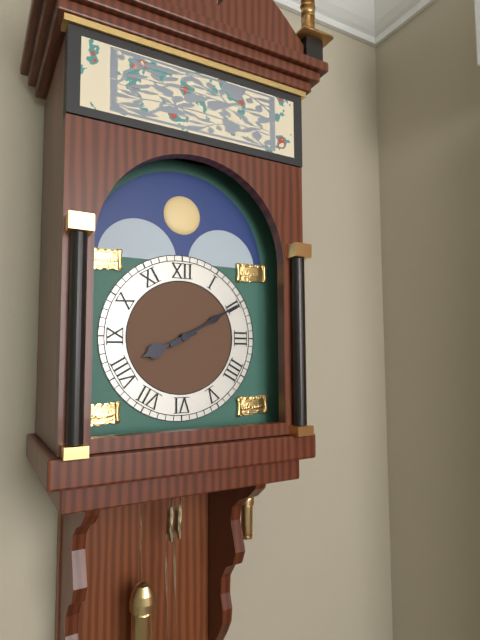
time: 8:10
